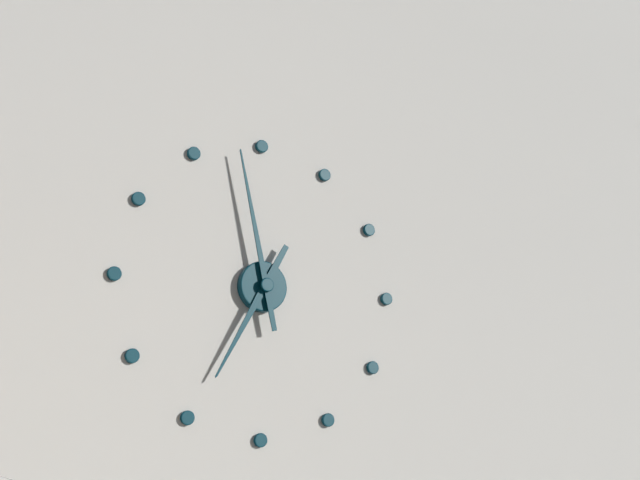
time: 6:58
